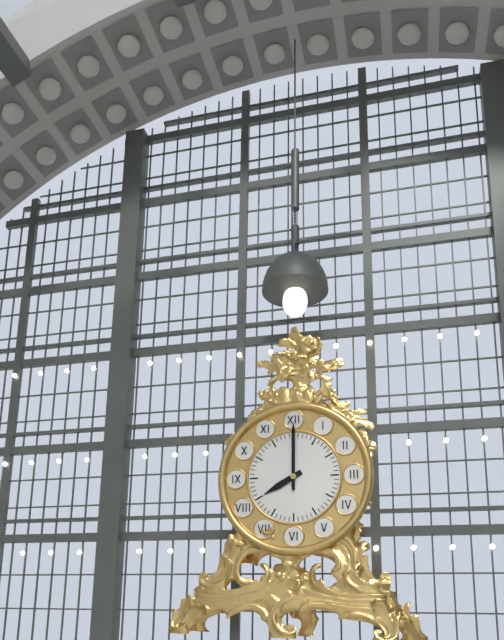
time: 8:00
